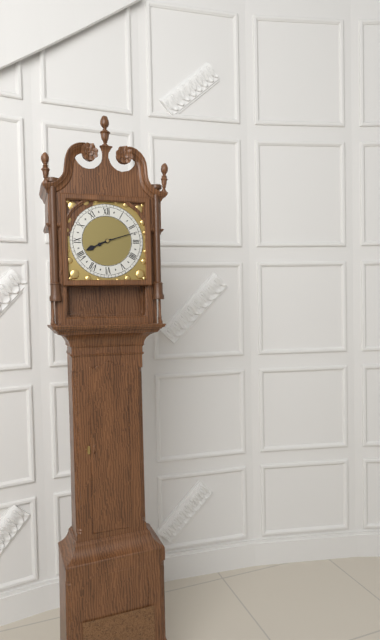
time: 8:12
